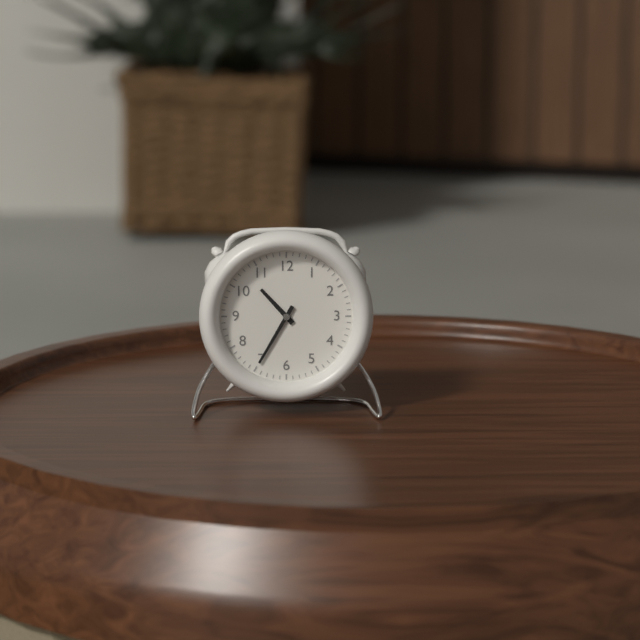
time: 10:35
